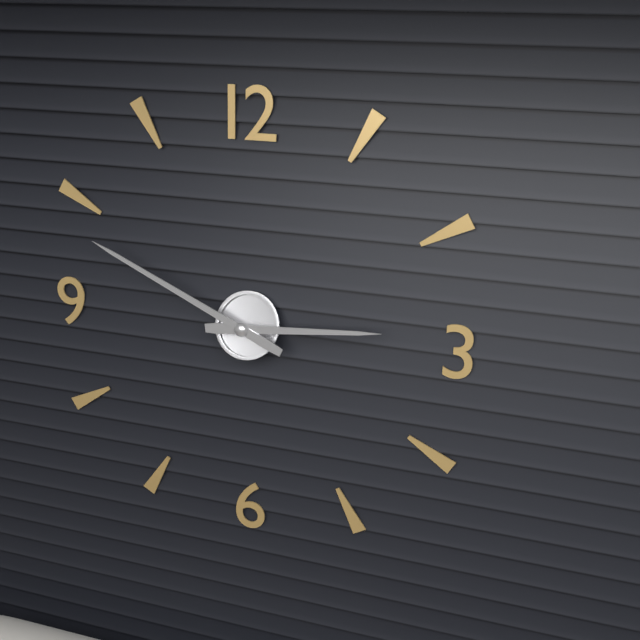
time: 2:49
